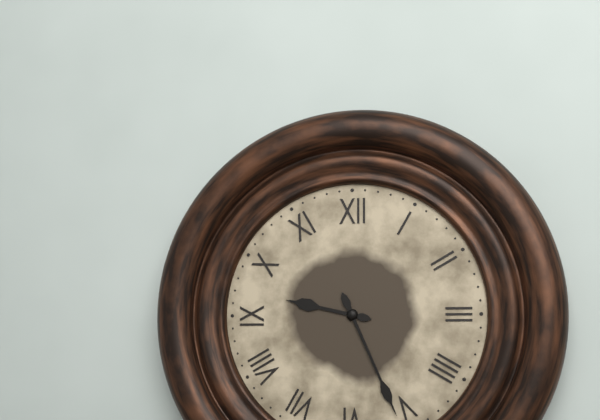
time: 9:26
